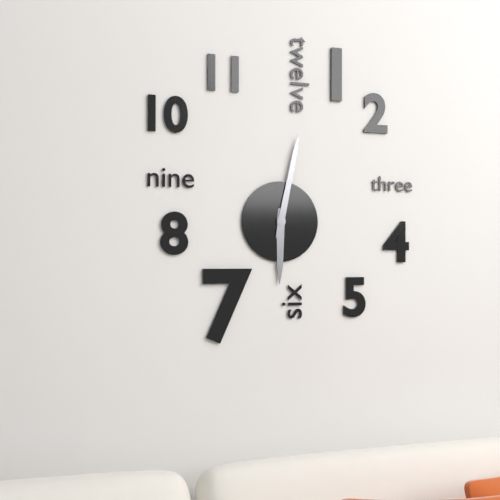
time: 6:02
